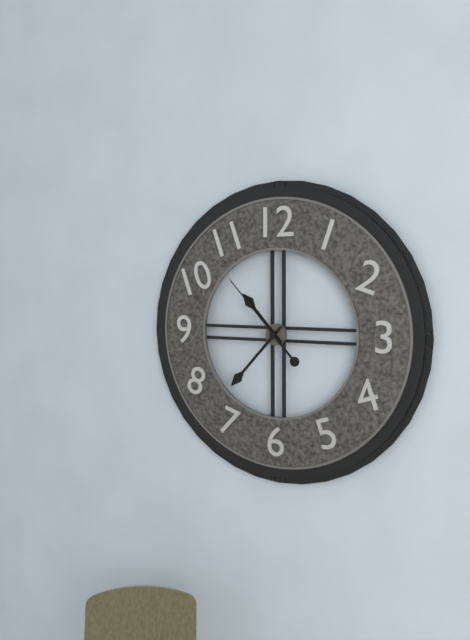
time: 10:37:53
